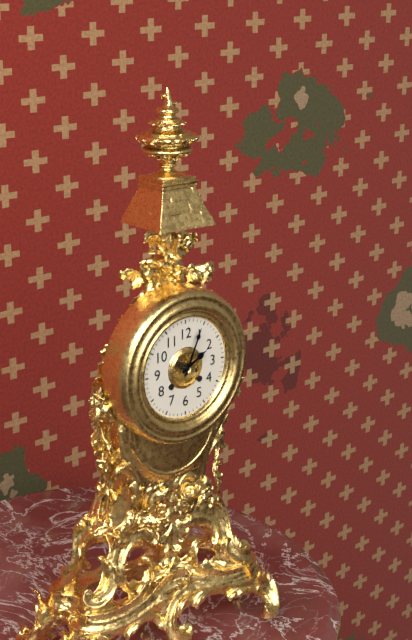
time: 2:04
